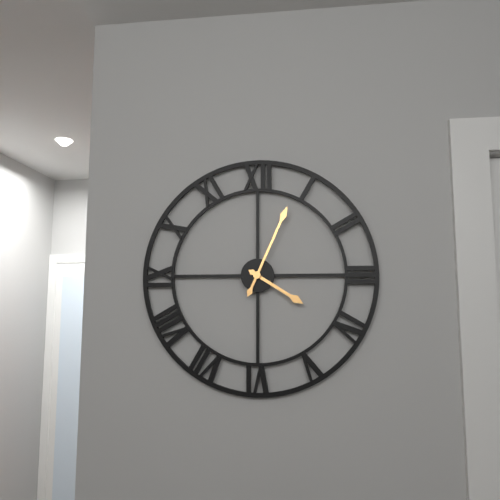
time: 4:04
